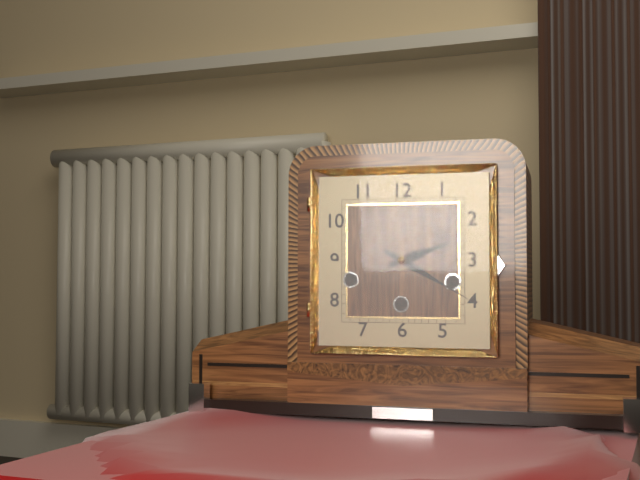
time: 2:20
